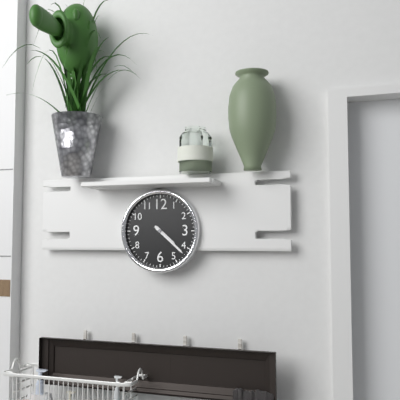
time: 4:22
